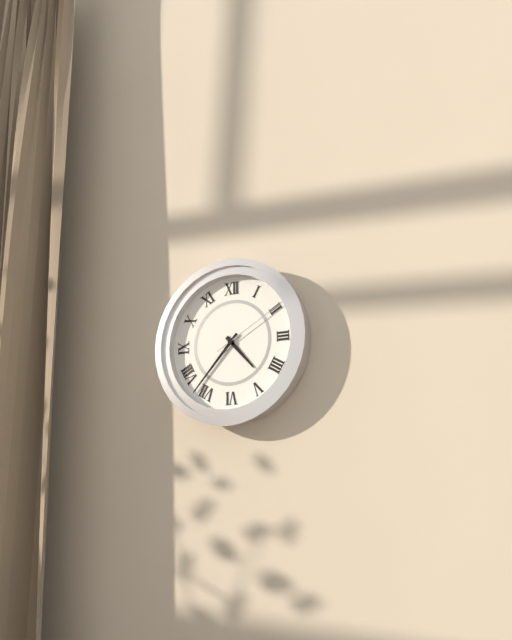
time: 4:37:10
